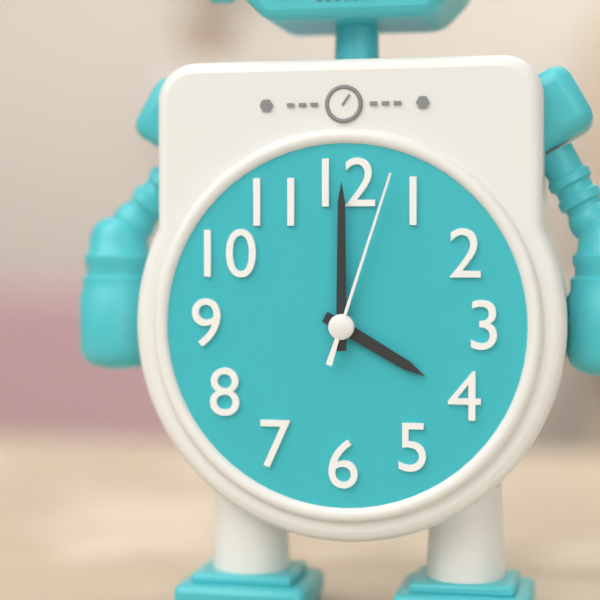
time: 4:00:03
